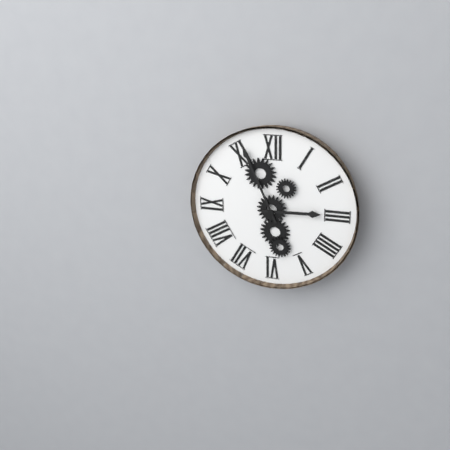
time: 2:56
